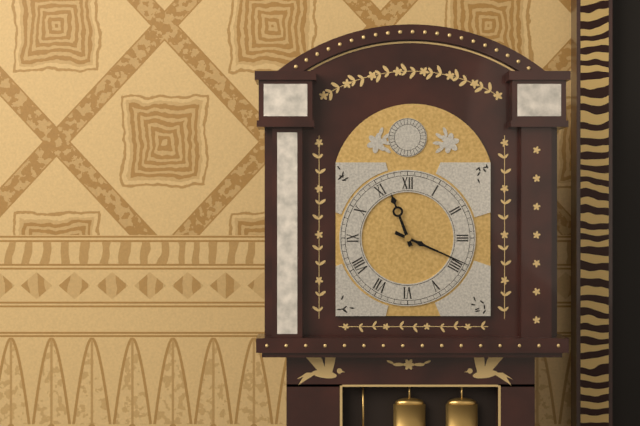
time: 11:19
